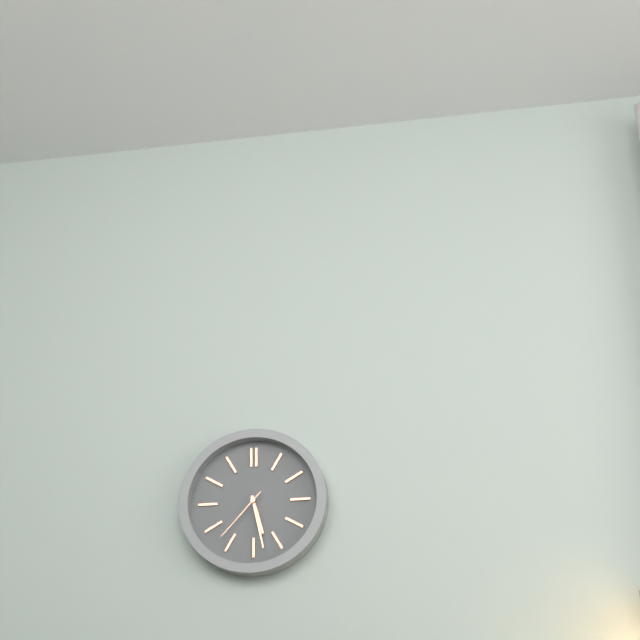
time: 5:28:37
